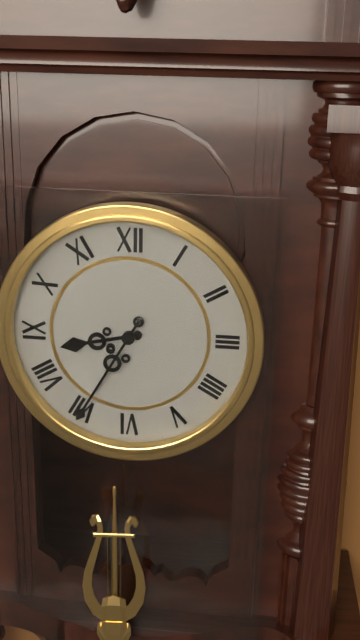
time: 8:35
